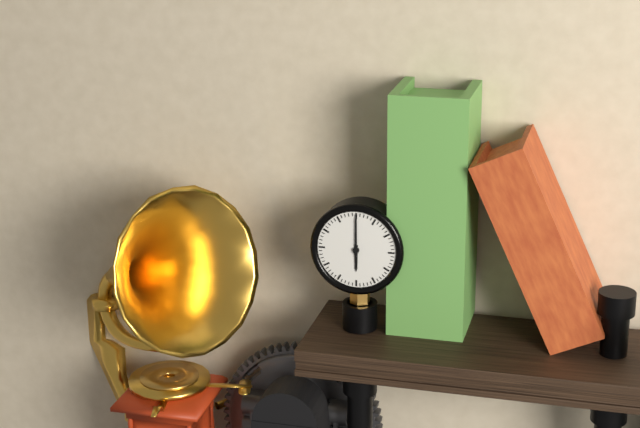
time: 6:00
